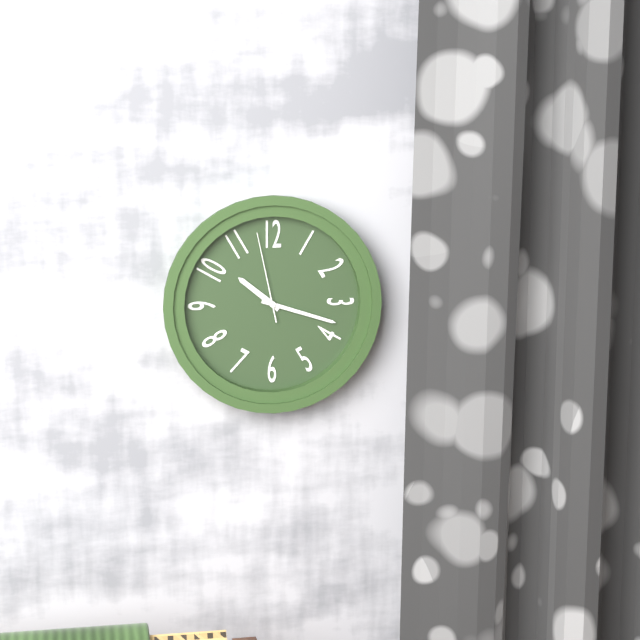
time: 10:18:58
